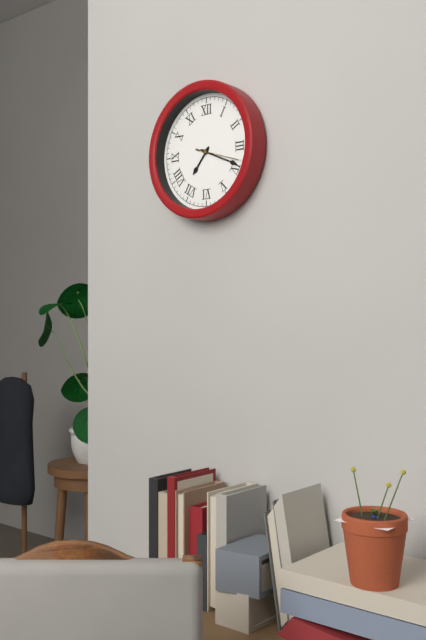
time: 7:19
